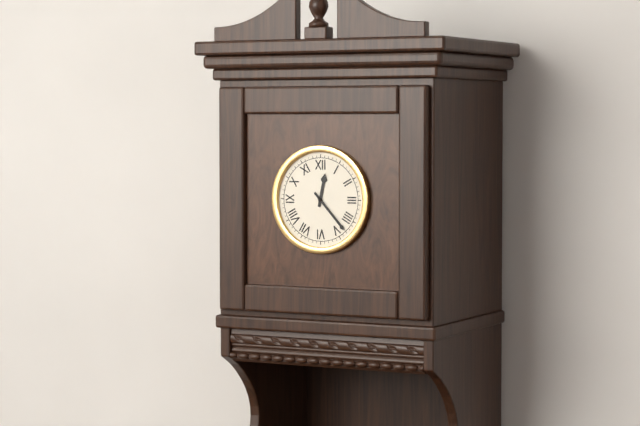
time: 12:23
